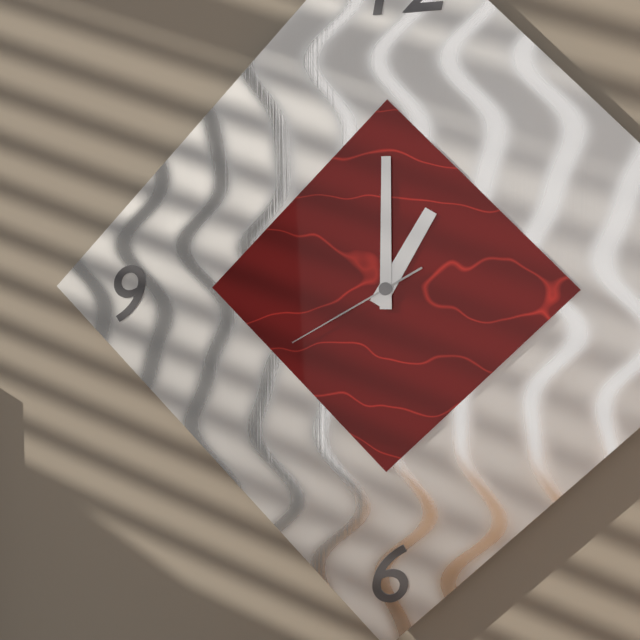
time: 1:00:40
